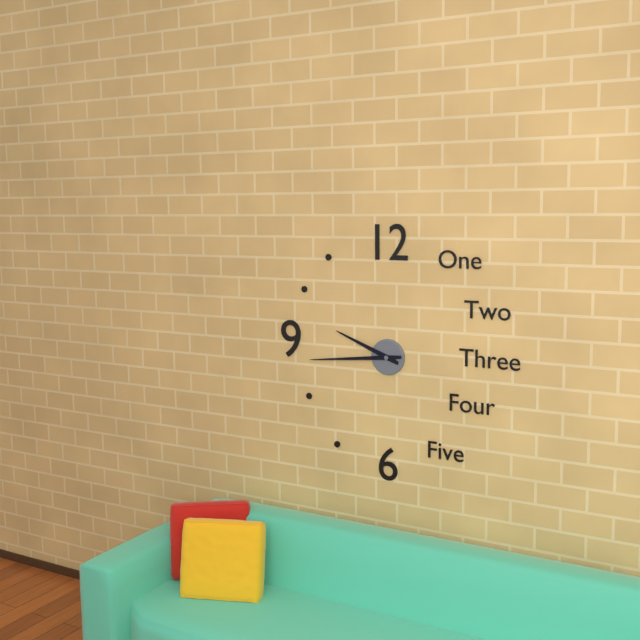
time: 9:44
